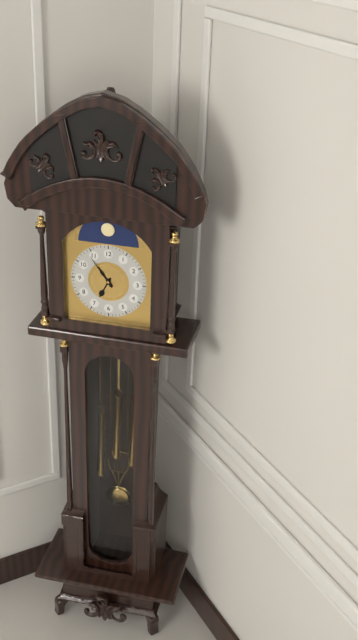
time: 6:54
